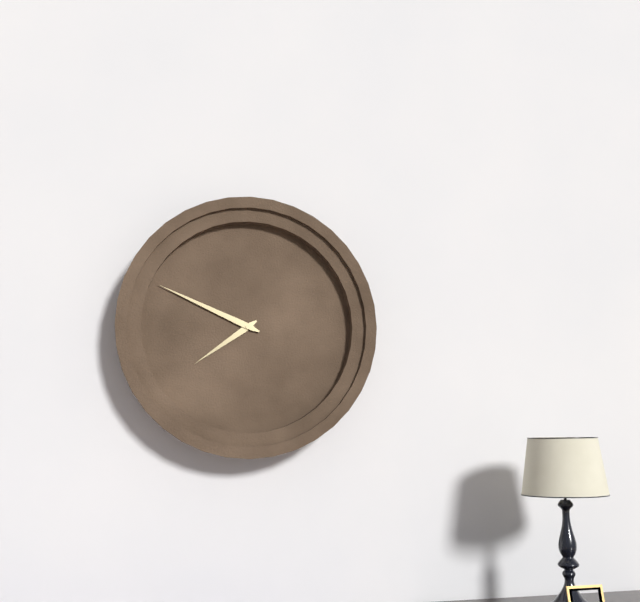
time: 7:49
